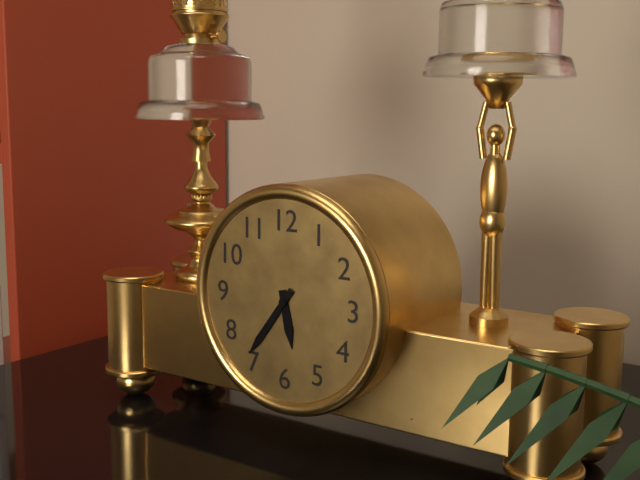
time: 5:36
